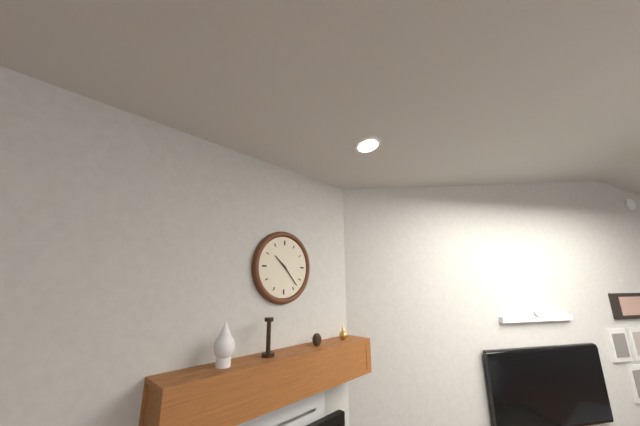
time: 10:23
